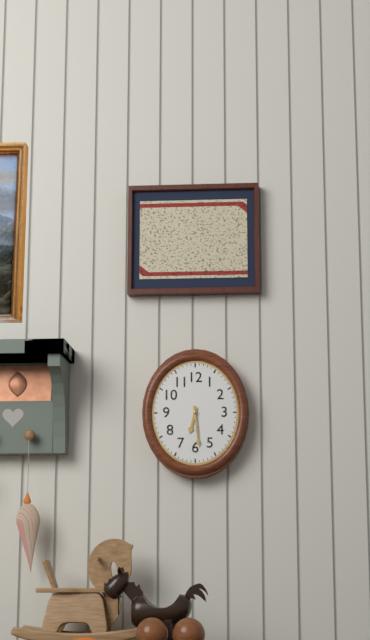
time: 6:29
